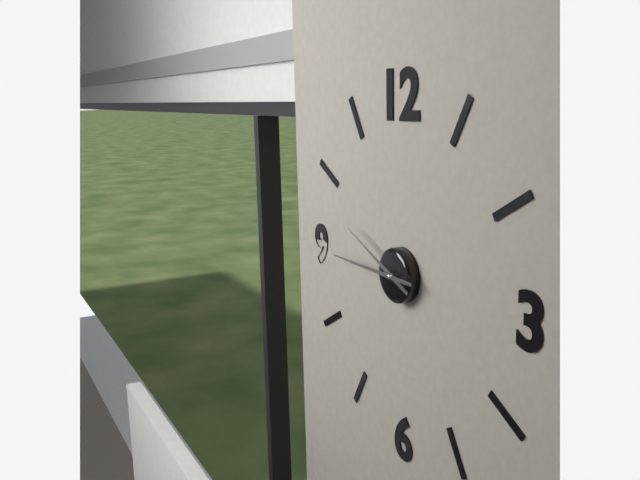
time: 9:45
